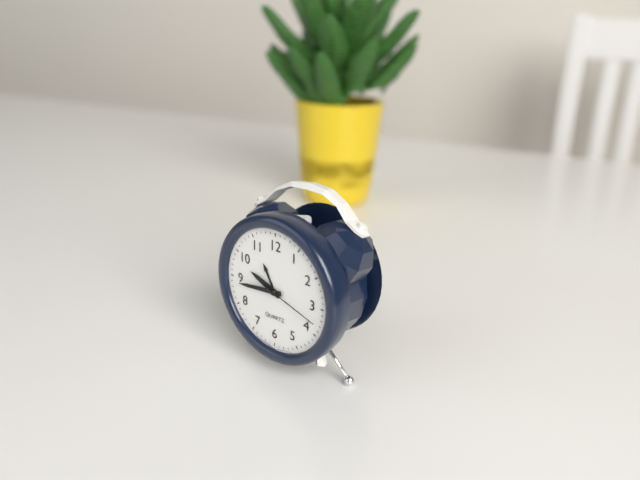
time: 9:44:18
